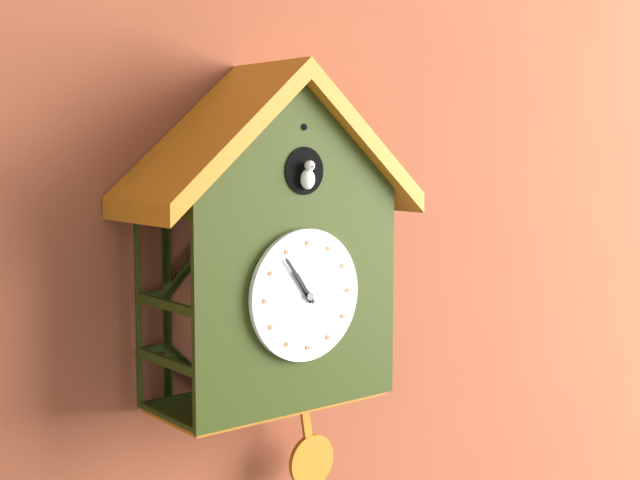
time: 10:54
